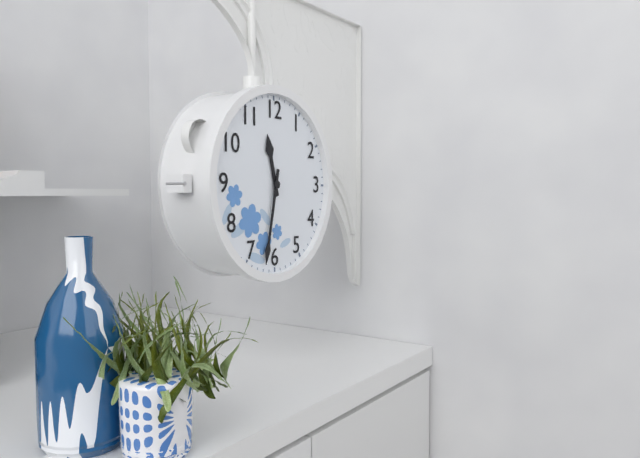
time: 11:32
